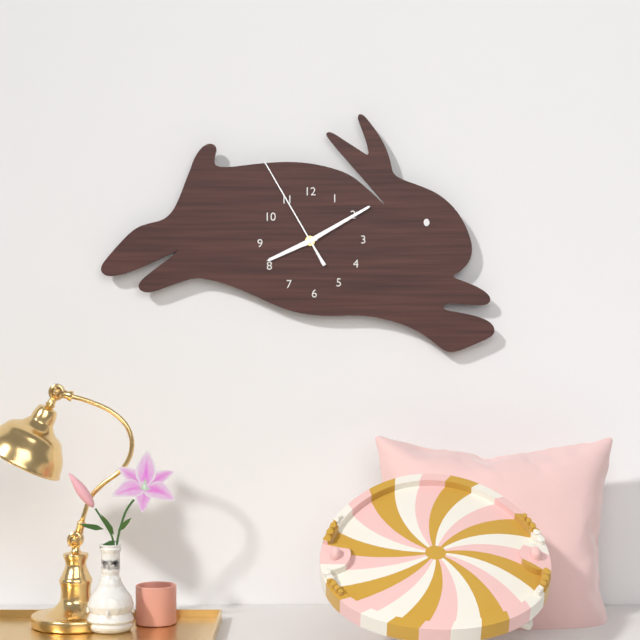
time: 8:10:55
